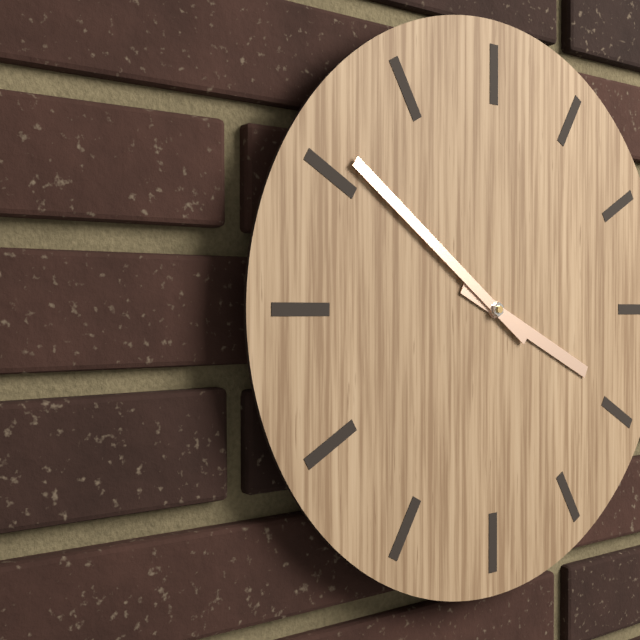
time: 3:51
